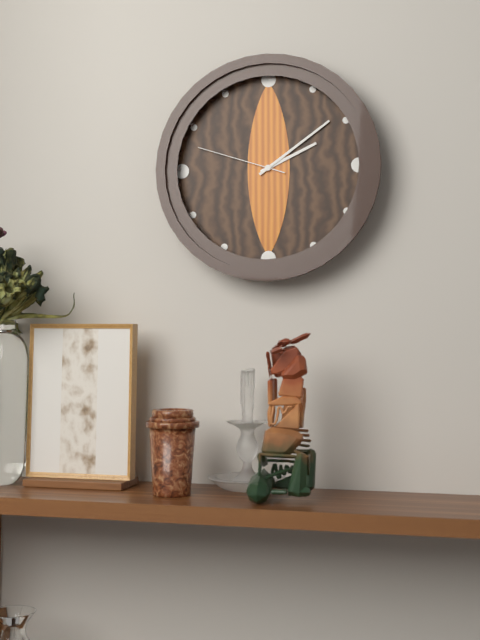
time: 2:09:48
